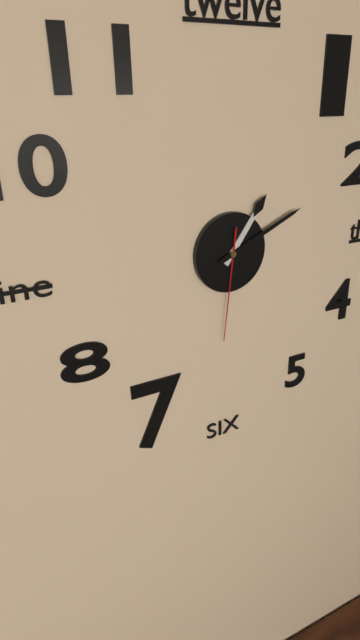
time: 1:11:31
